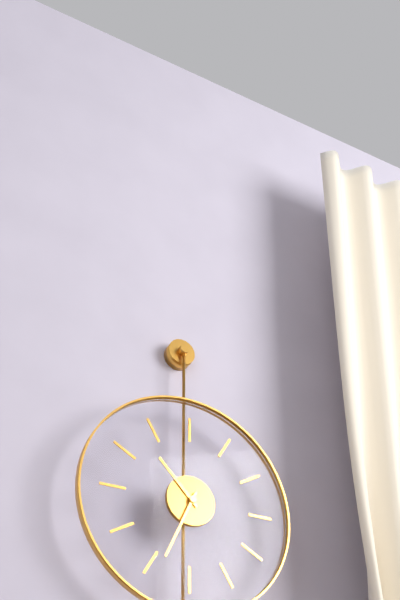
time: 10:34
